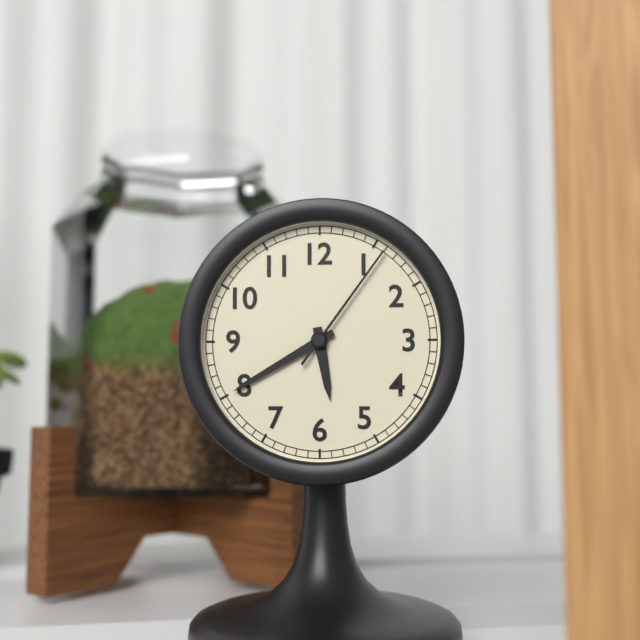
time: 5:40:06
